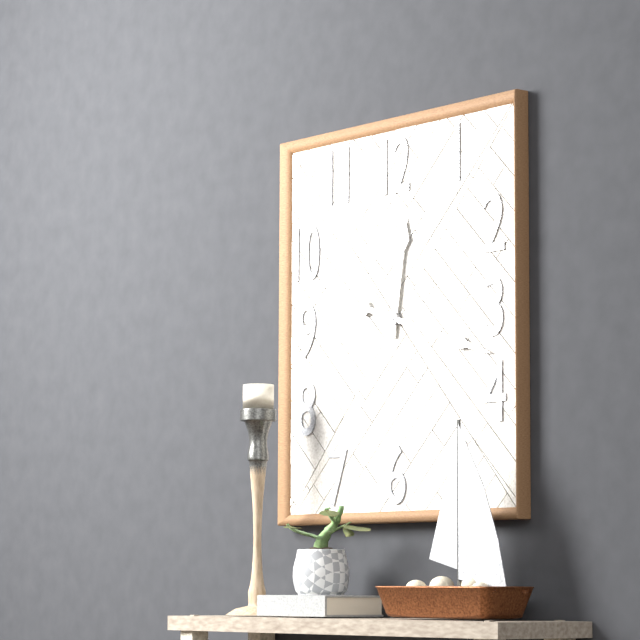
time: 12:18
